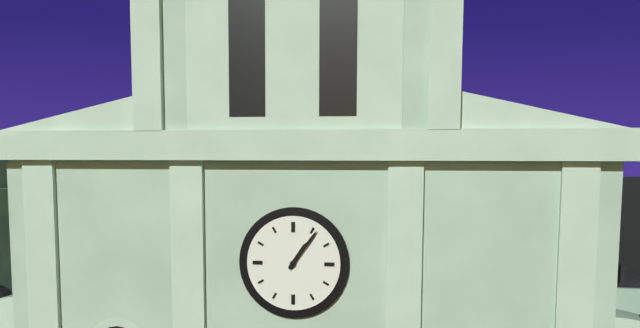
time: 1:06
